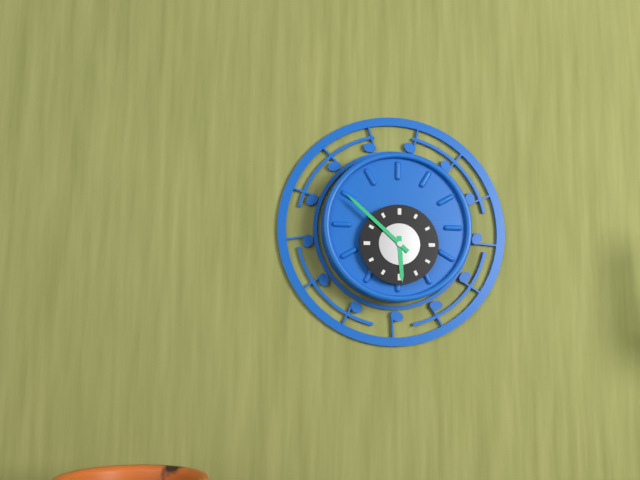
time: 5:52
